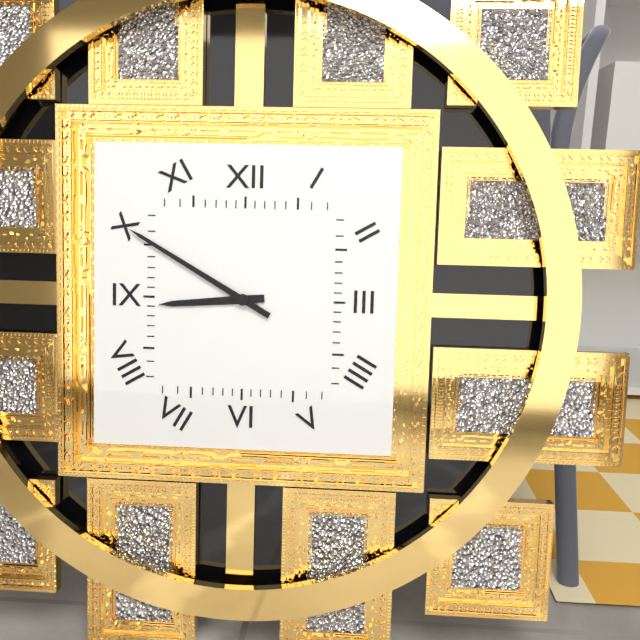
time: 8:50
